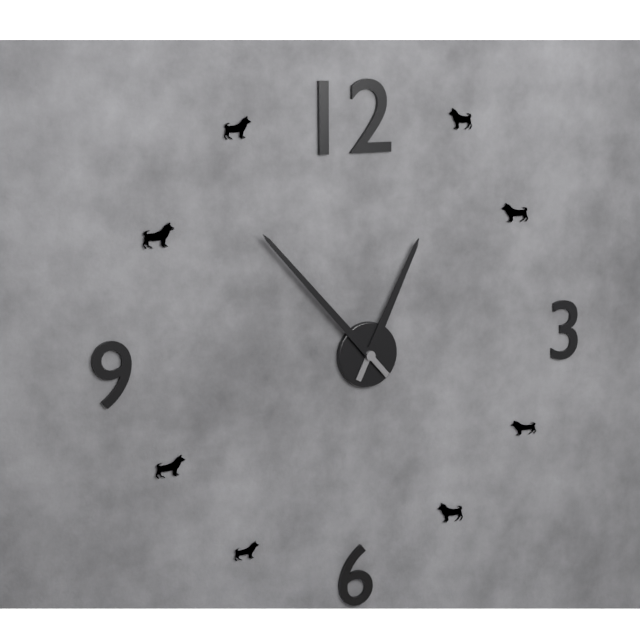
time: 12:53
